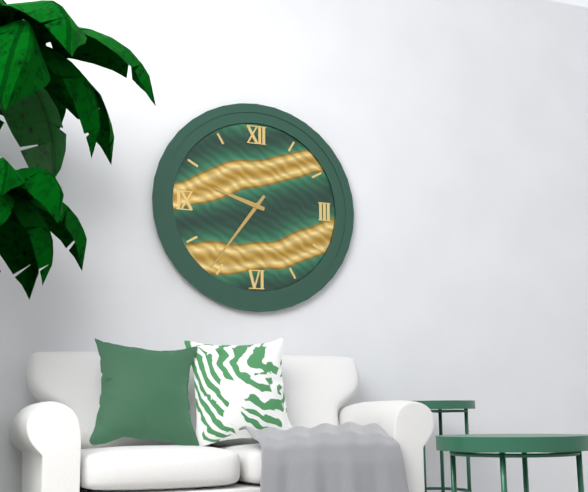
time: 9:36
